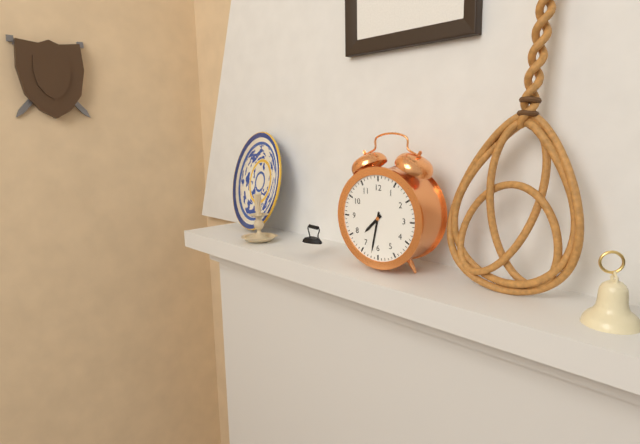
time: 7:32
